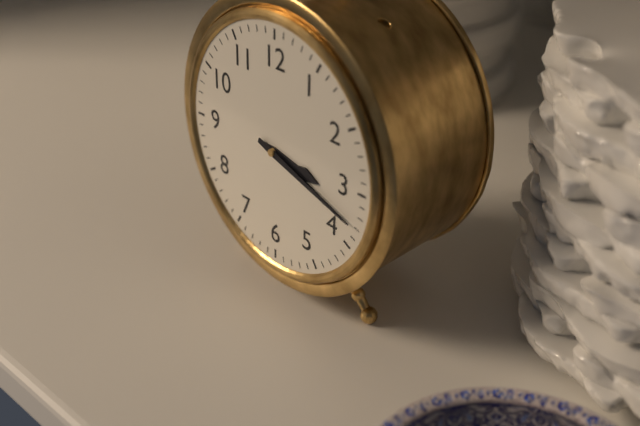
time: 3:18
